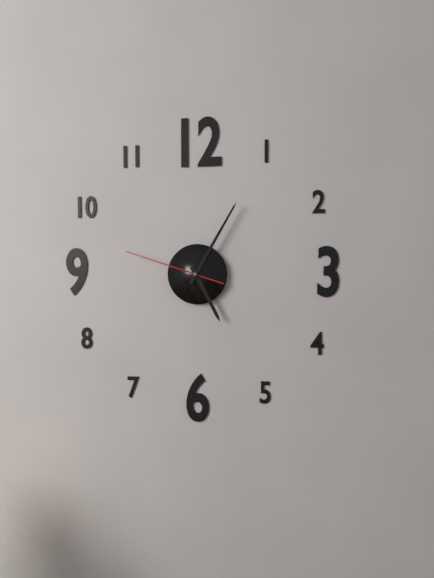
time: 5:05:48
